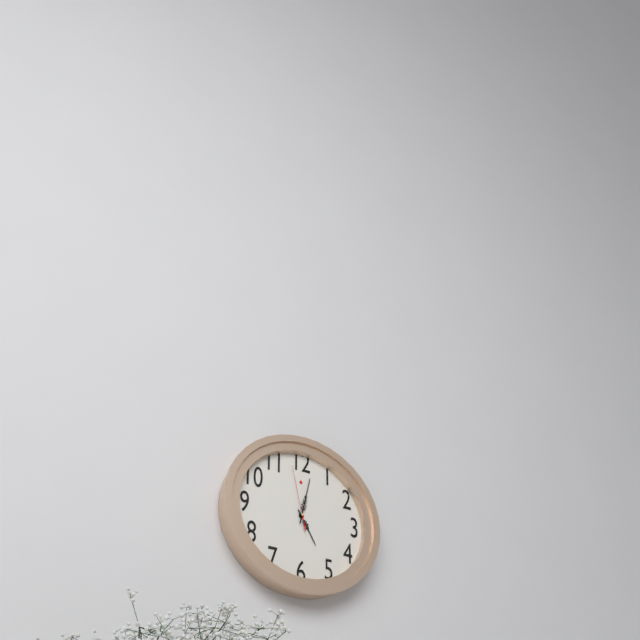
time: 5:02:58
